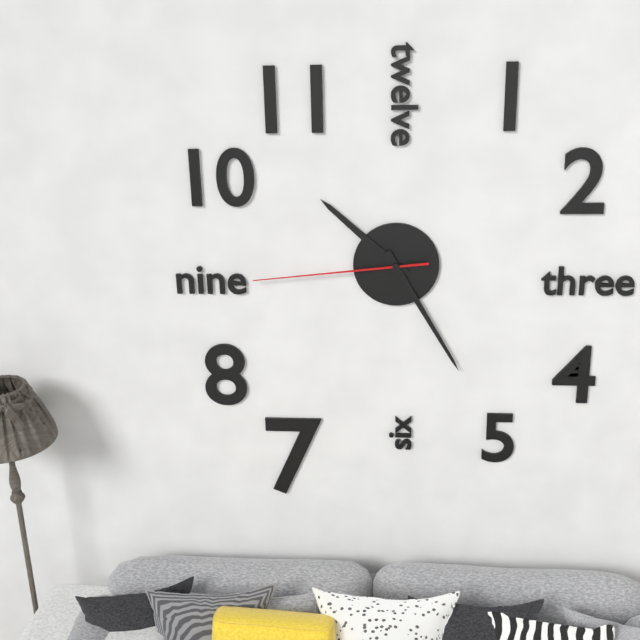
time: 10:25:44
